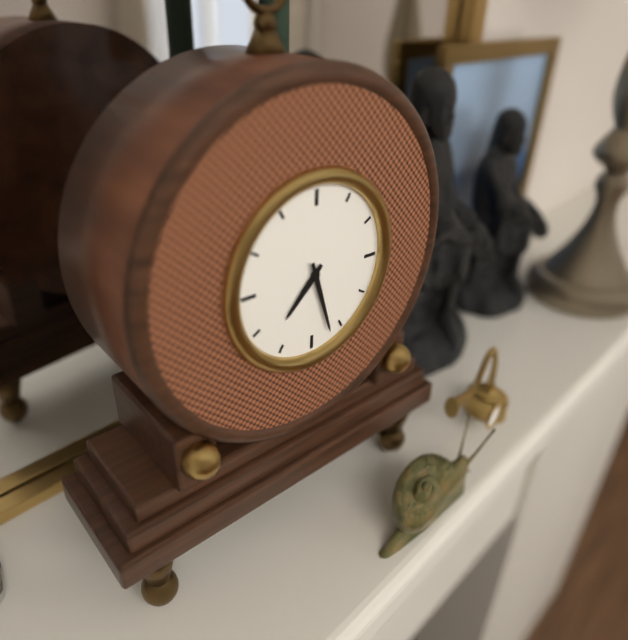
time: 7:27
